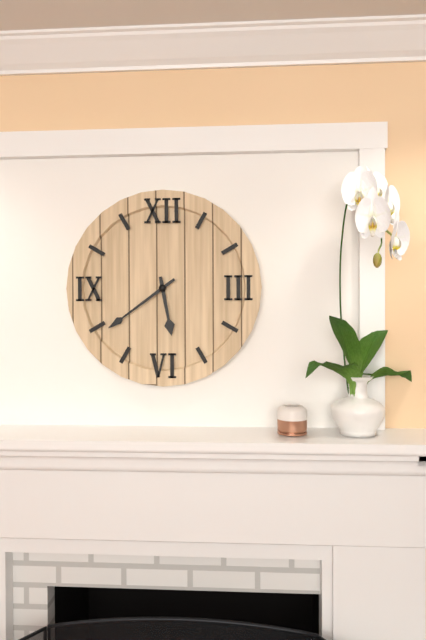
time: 5:39
